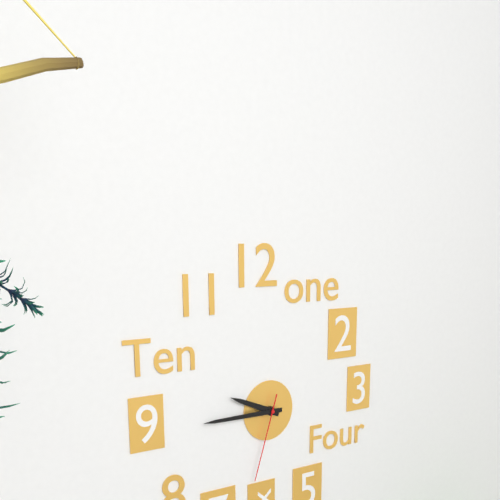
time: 9:45:33
